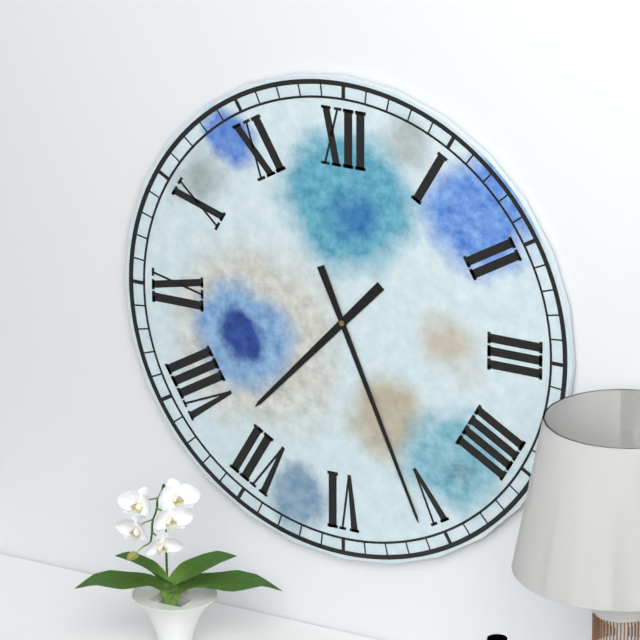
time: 7:26
